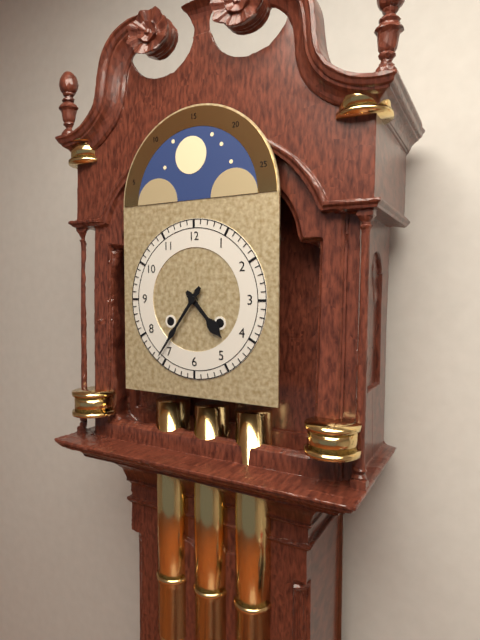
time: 4:36
